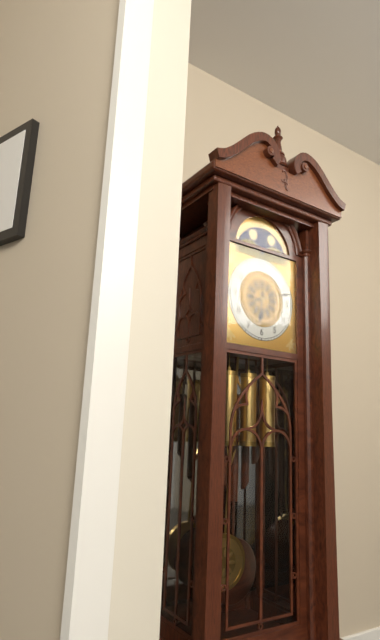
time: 6:12
